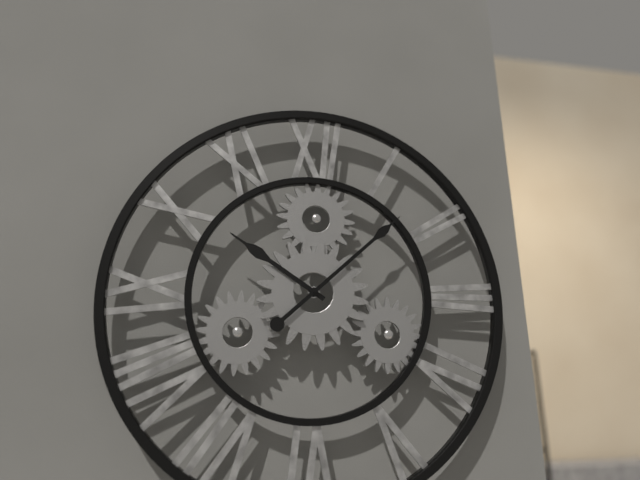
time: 10:08
